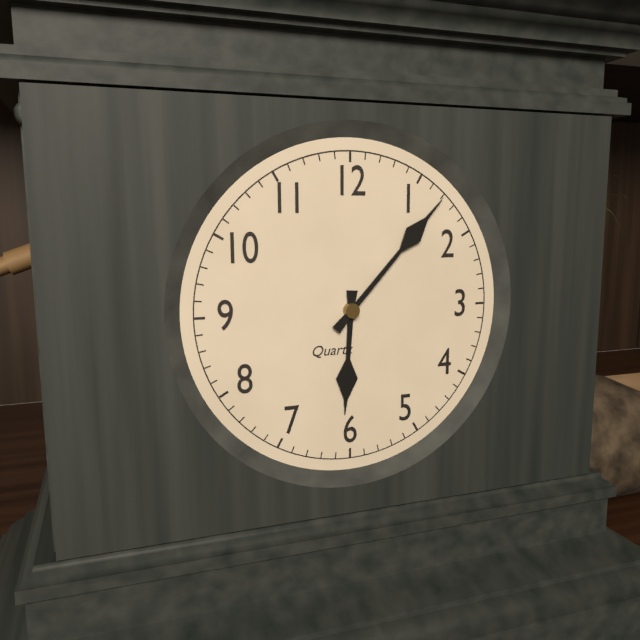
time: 6:07
